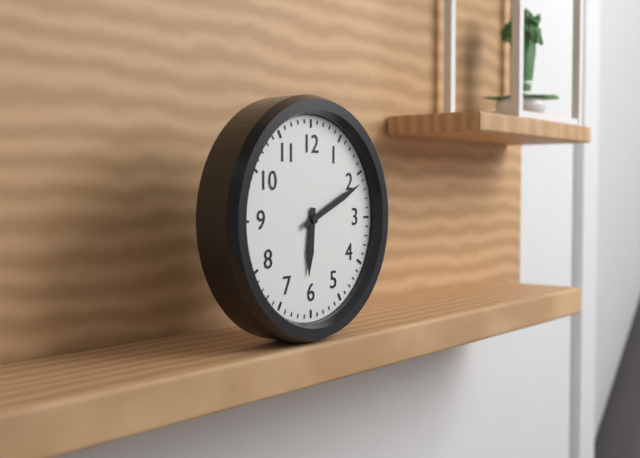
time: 6:11
